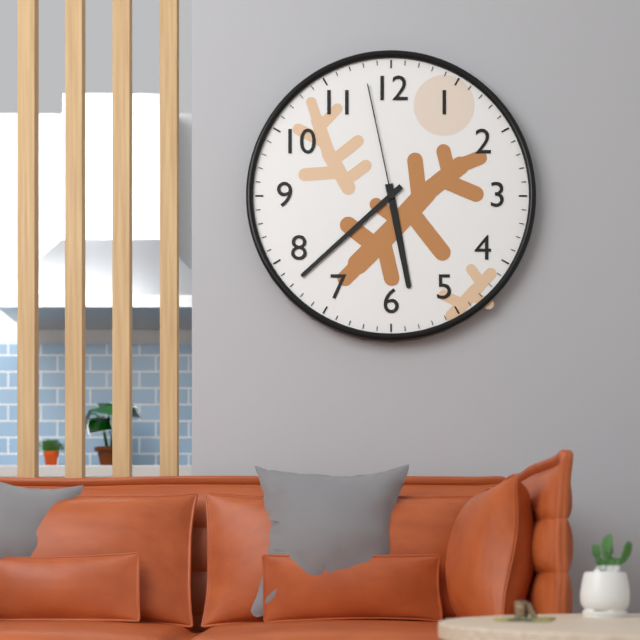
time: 5:38:58
